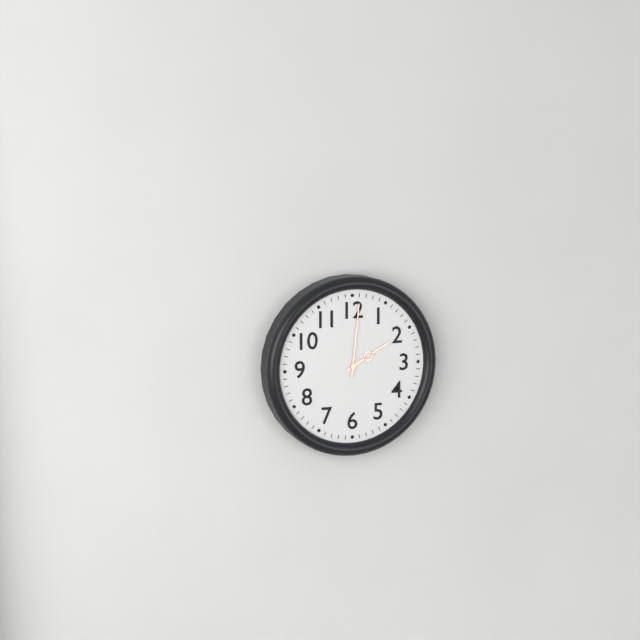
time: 2:01
